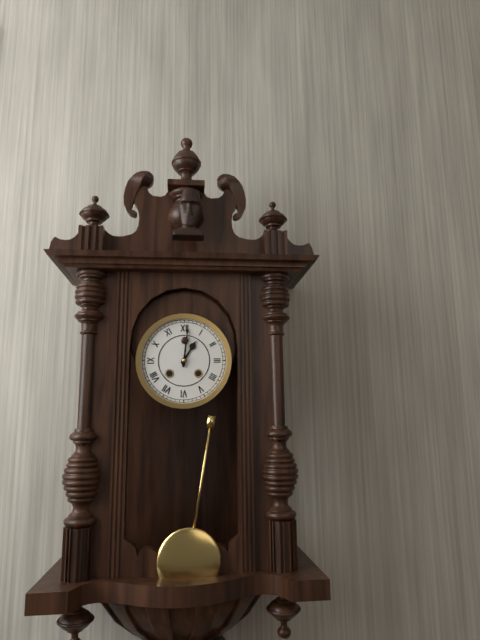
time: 1:01
